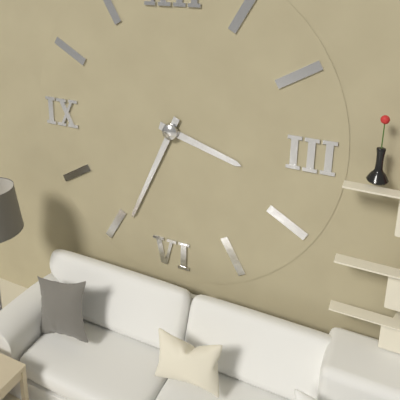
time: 3:34
